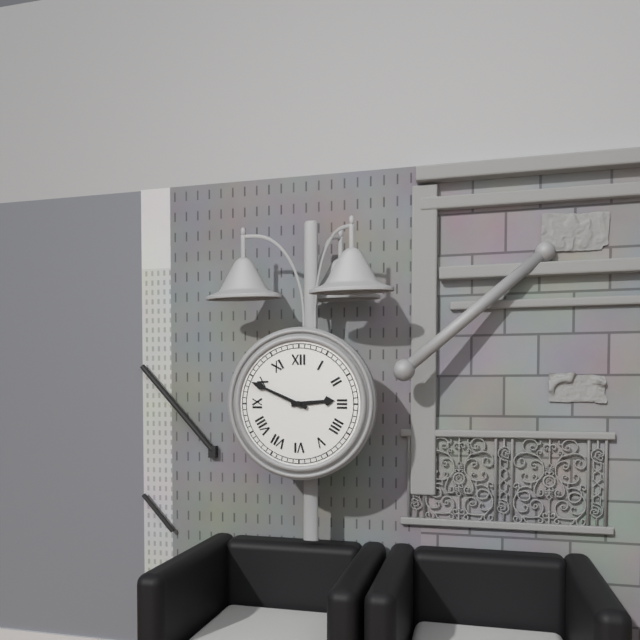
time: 2:49
